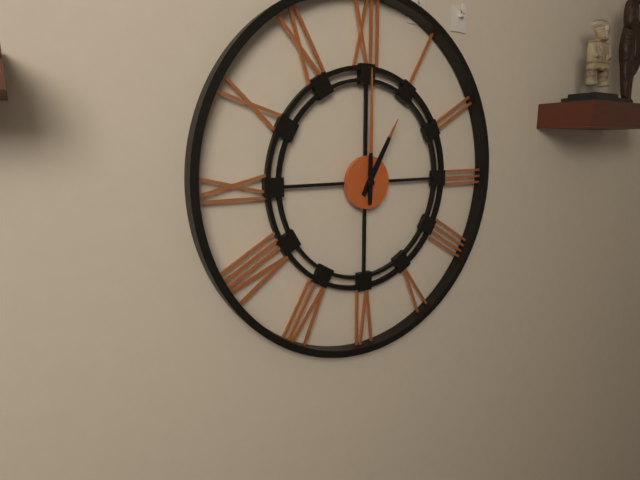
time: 1:00
